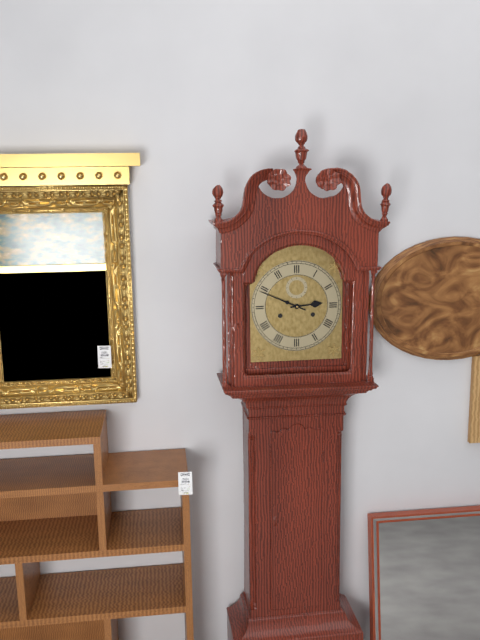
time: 2:49
